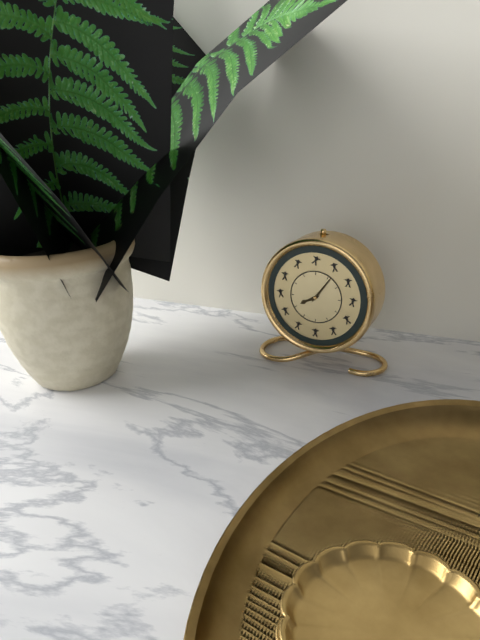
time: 8:06
